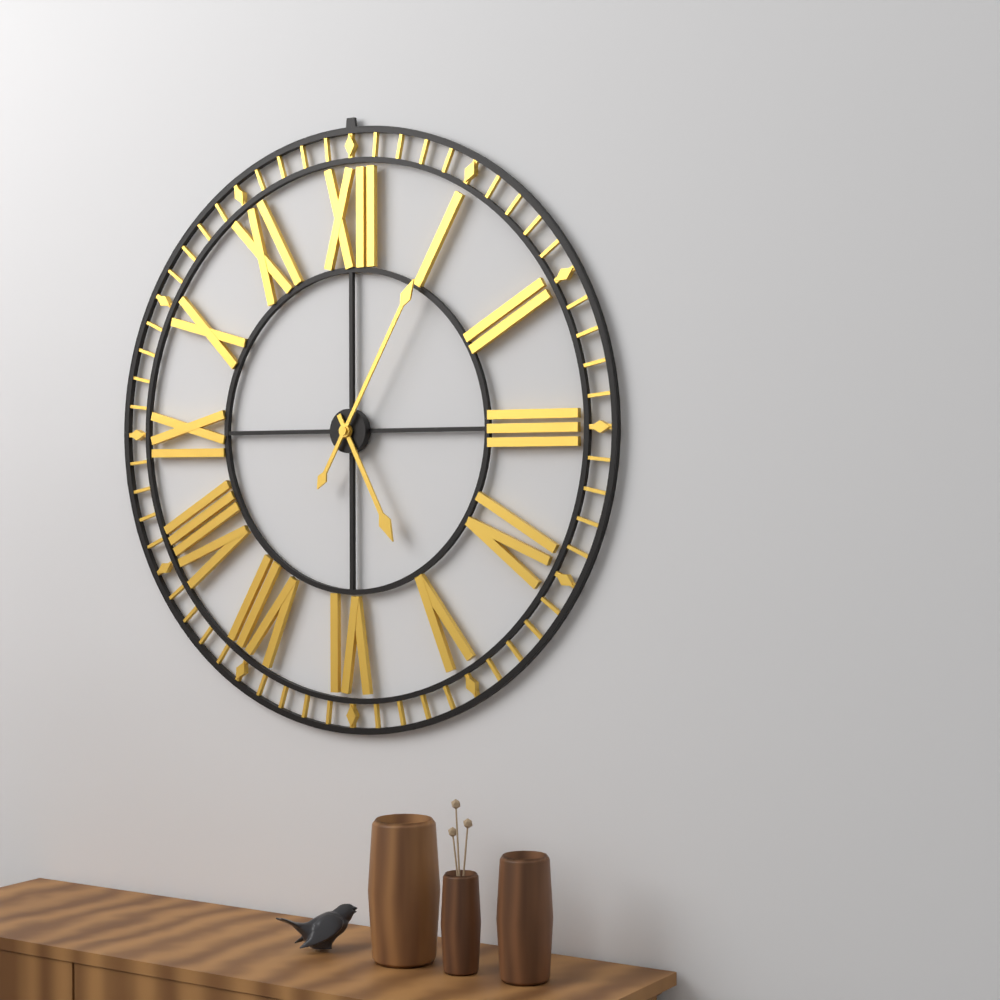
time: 5:05
